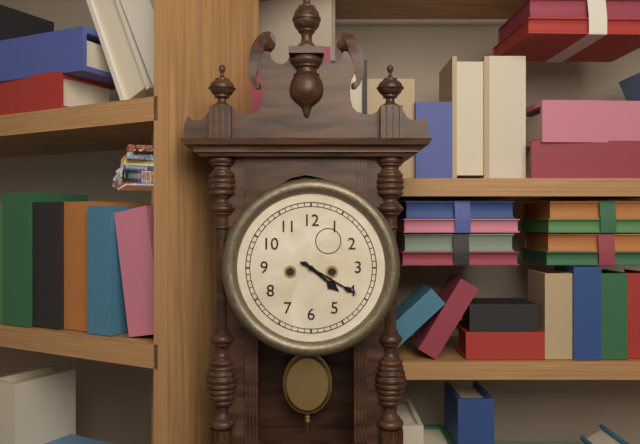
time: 4:20
